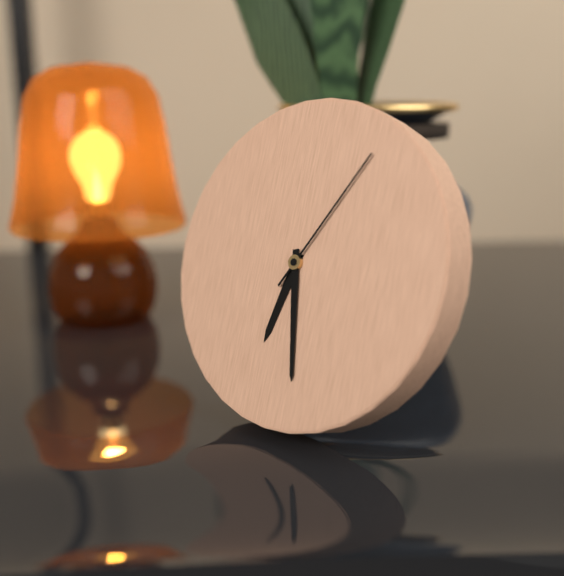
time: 6:28:05
